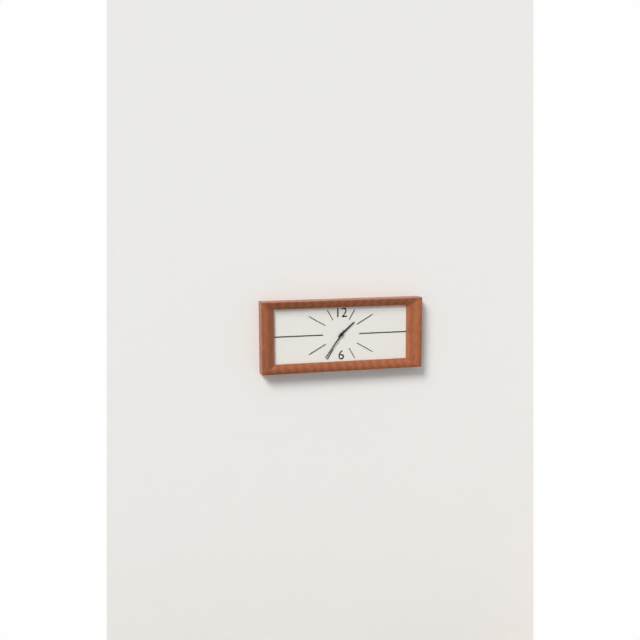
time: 1:36
